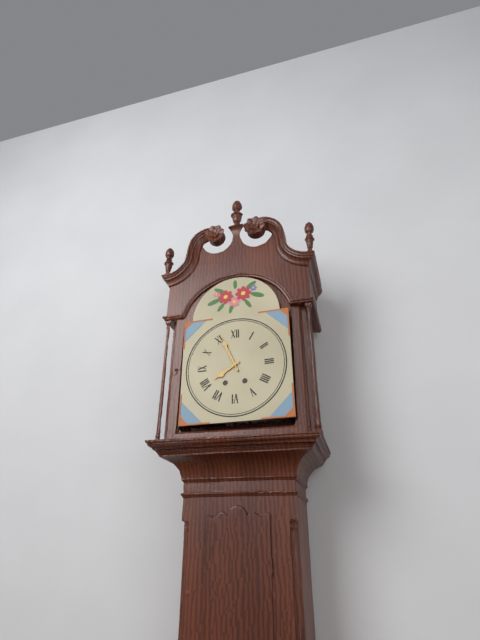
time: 7:56
